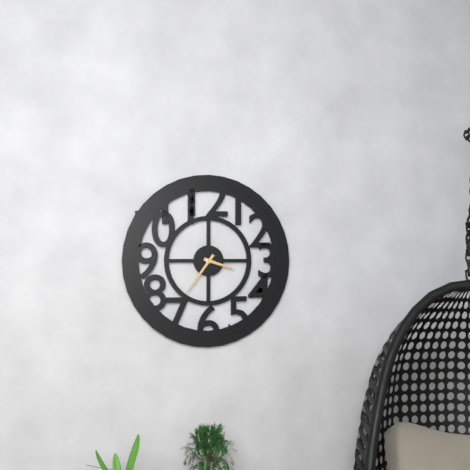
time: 3:36
